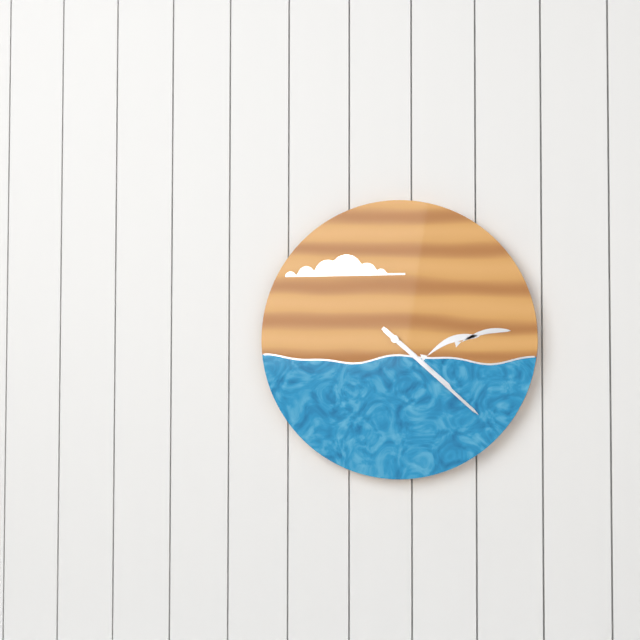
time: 4:22
